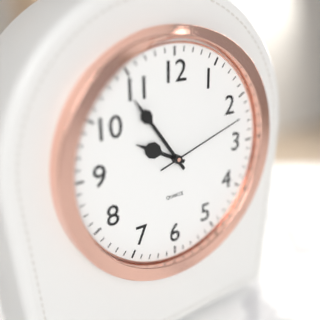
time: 9:54:12
